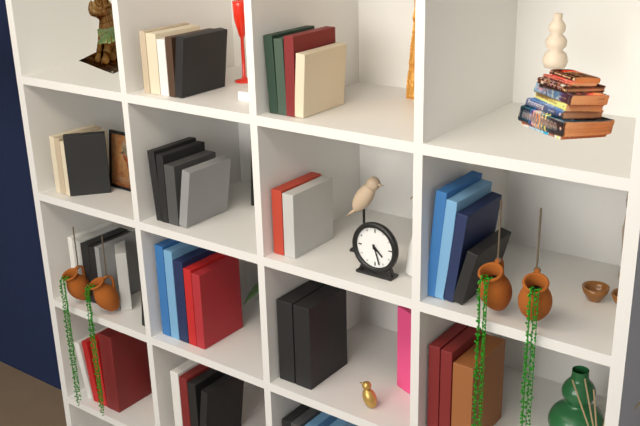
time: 4:27
